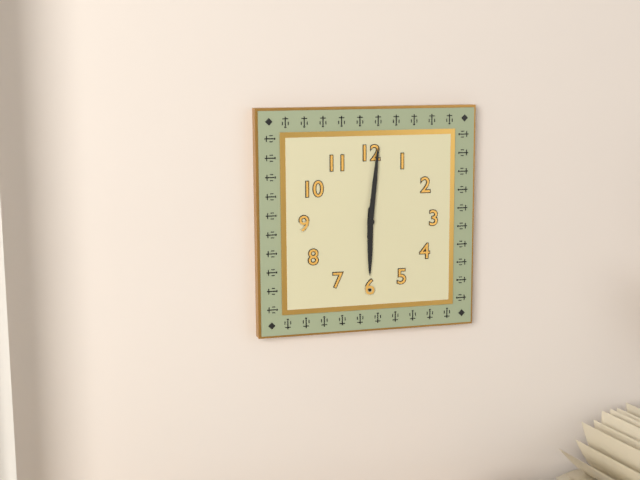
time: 6:01
